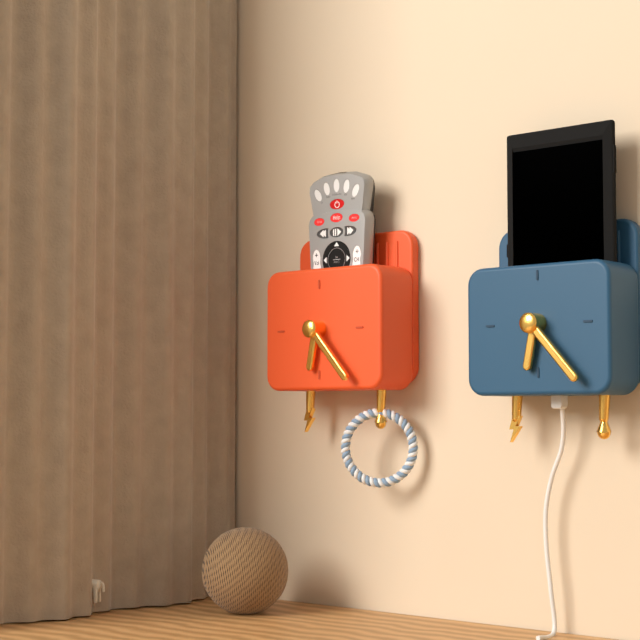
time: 6:23
